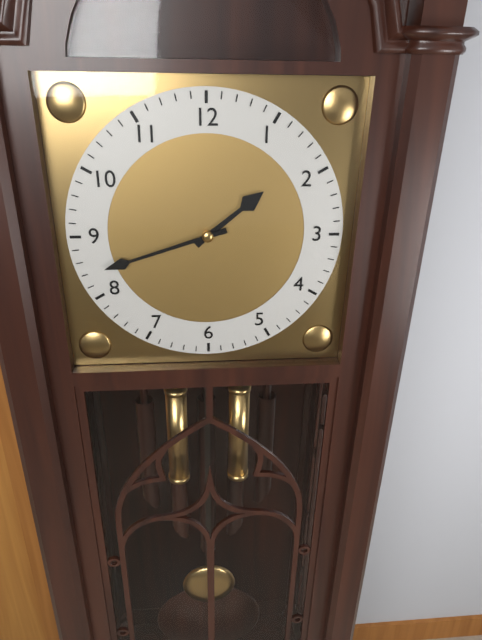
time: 1:42
